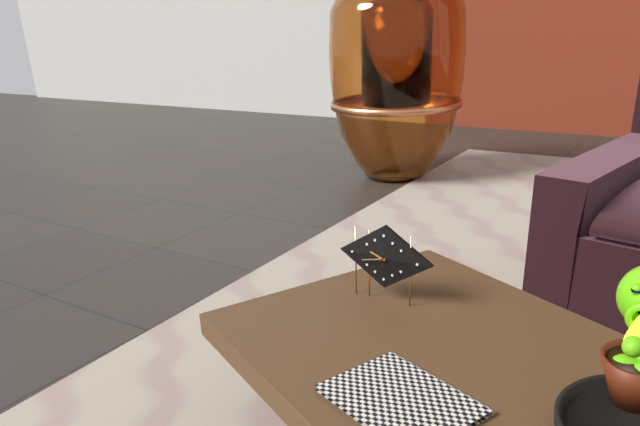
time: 9:43
